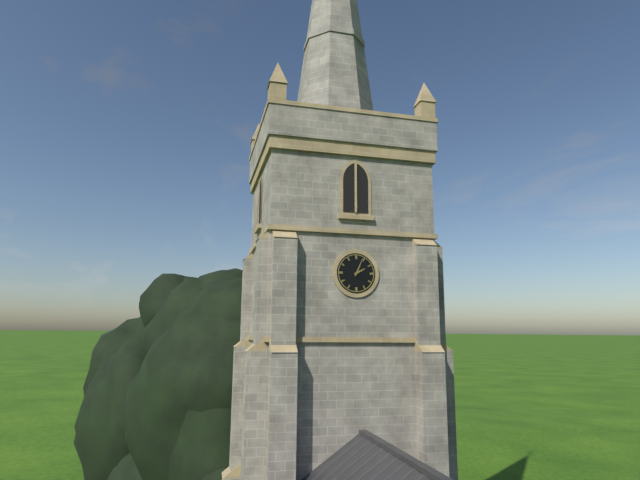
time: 2:04
